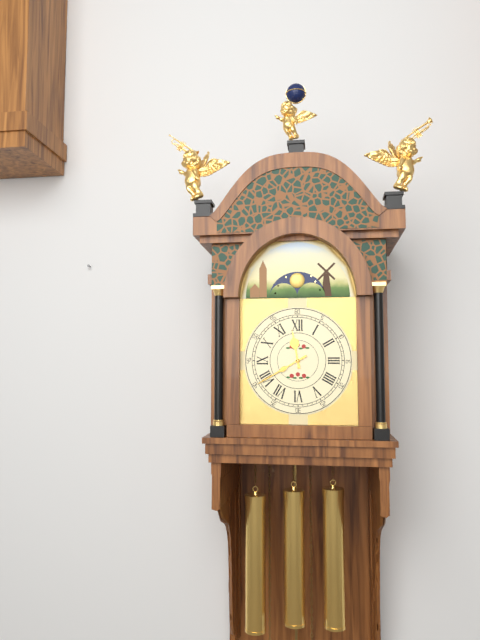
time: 11:40
